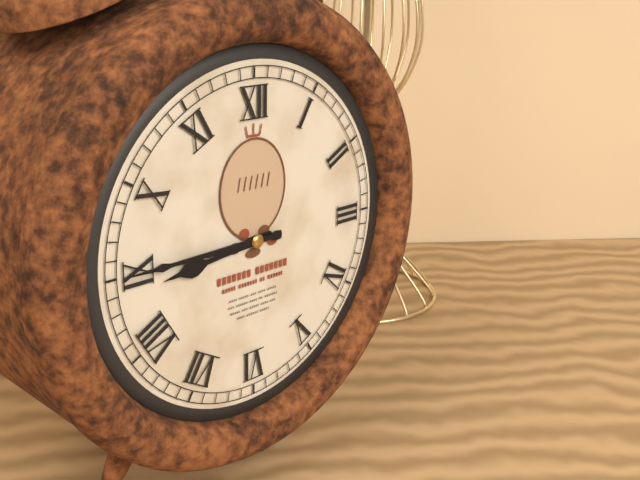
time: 8:45
